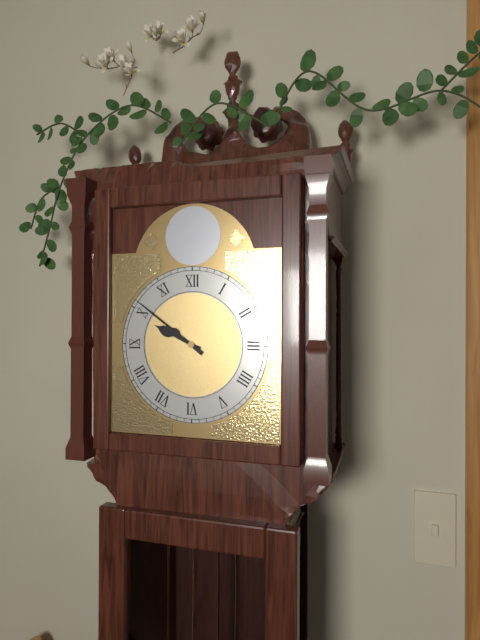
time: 9:51
